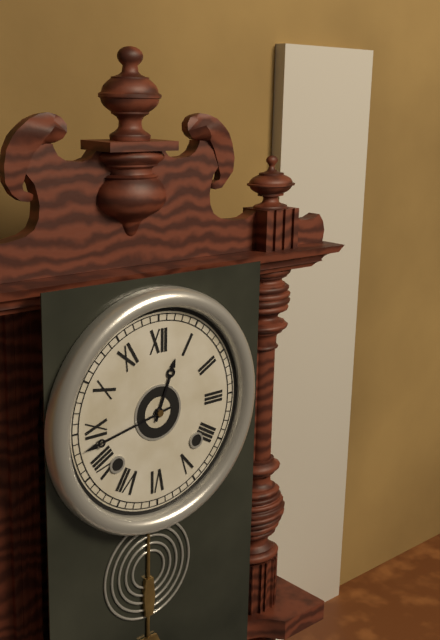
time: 12:43
